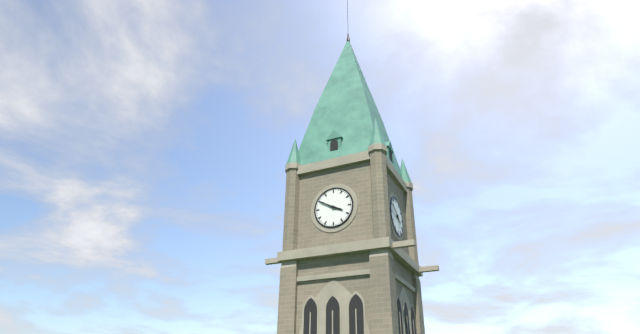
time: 3:50
